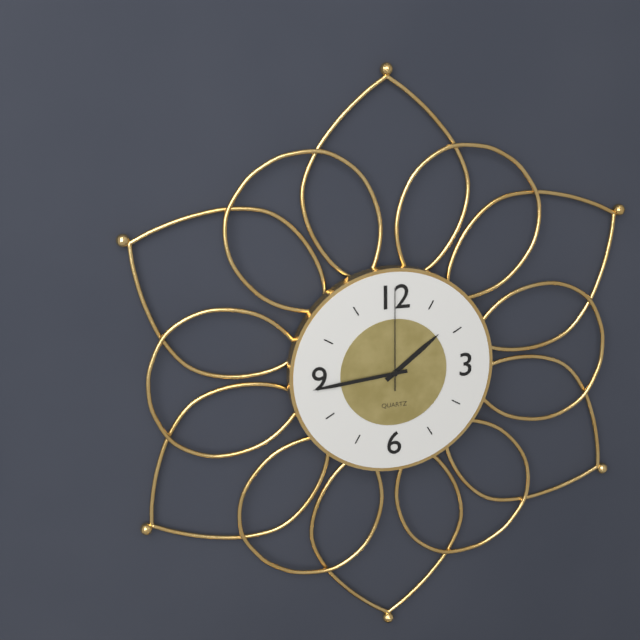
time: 1:44:00
